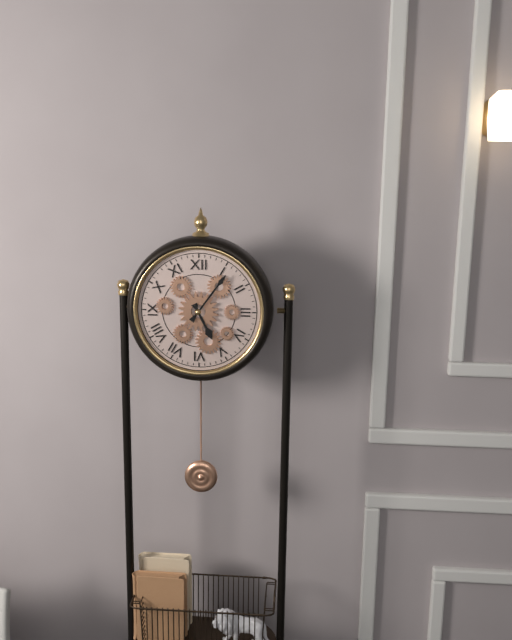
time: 5:06
